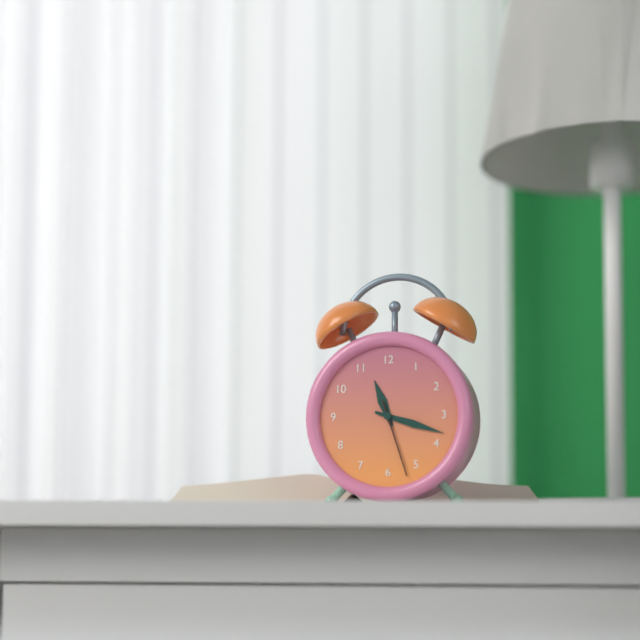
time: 11:18:27
